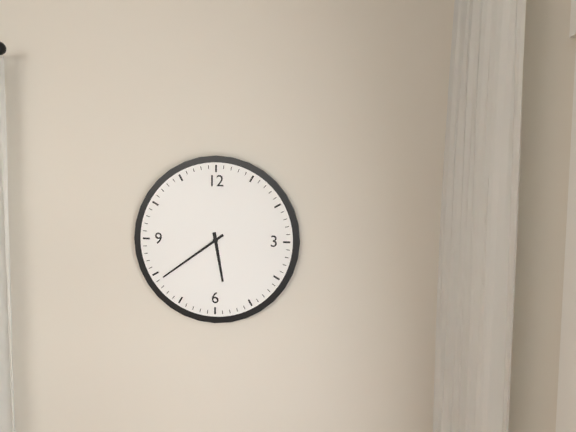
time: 5:39
